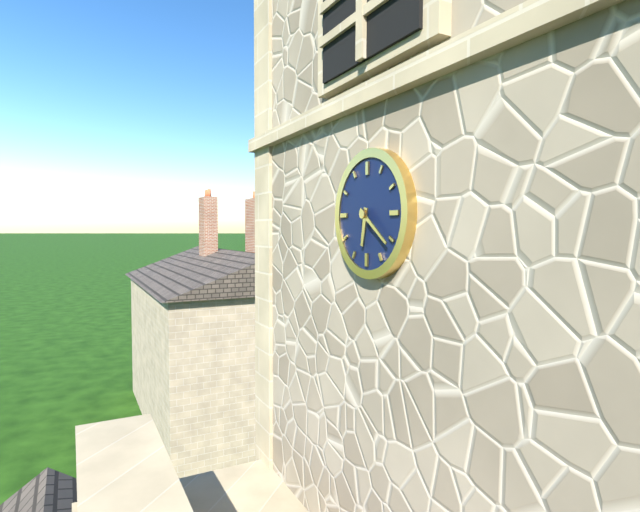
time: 6:21
